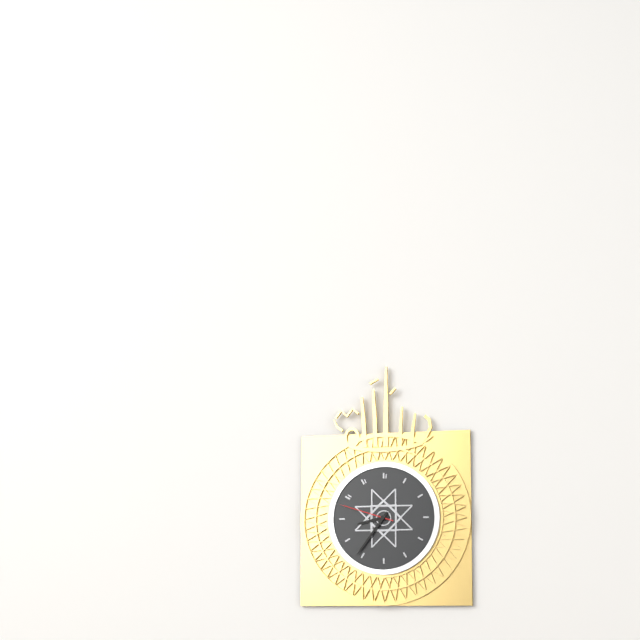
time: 8:36:48
